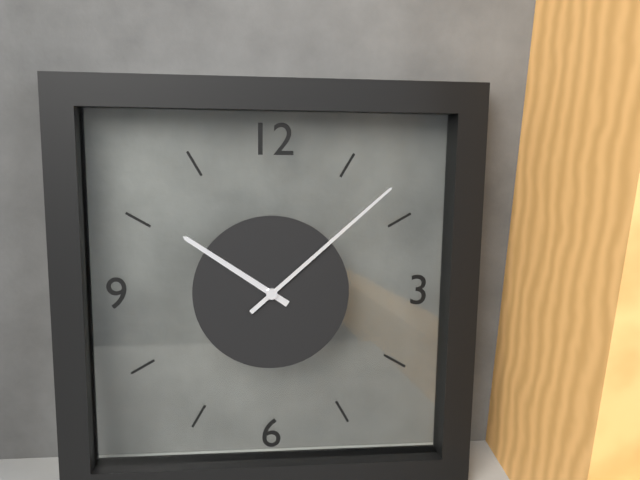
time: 10:08
